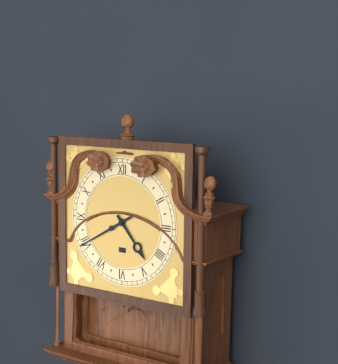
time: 4:40
